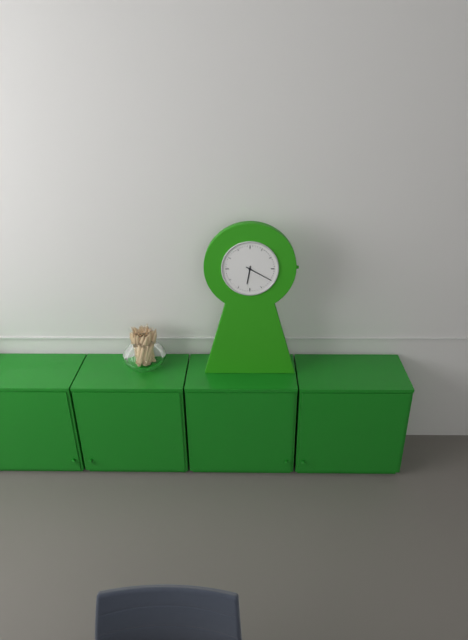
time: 6:20
